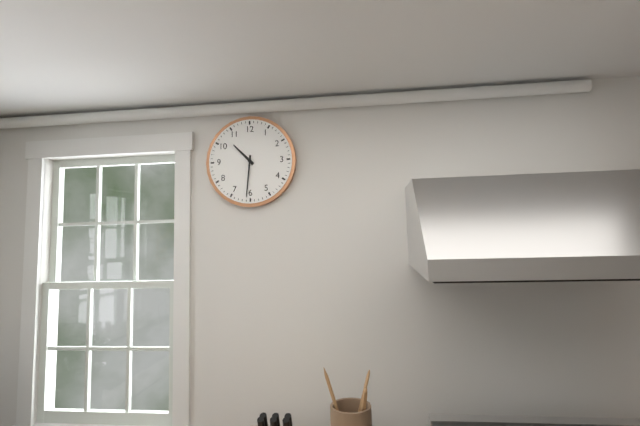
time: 10:31
